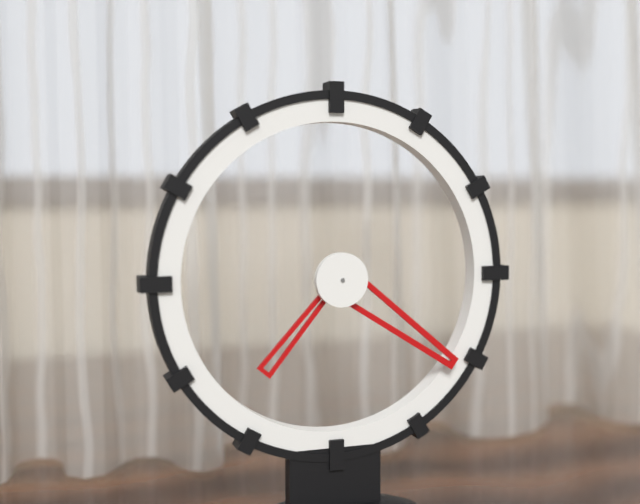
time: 7:21
